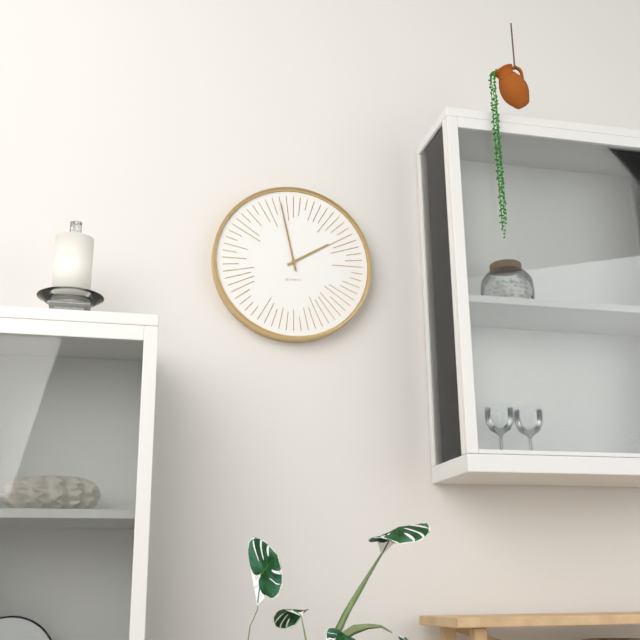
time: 1:58
